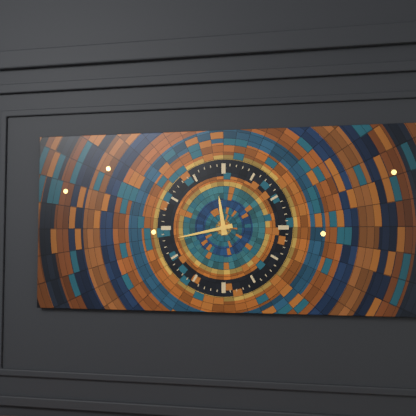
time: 11:43
